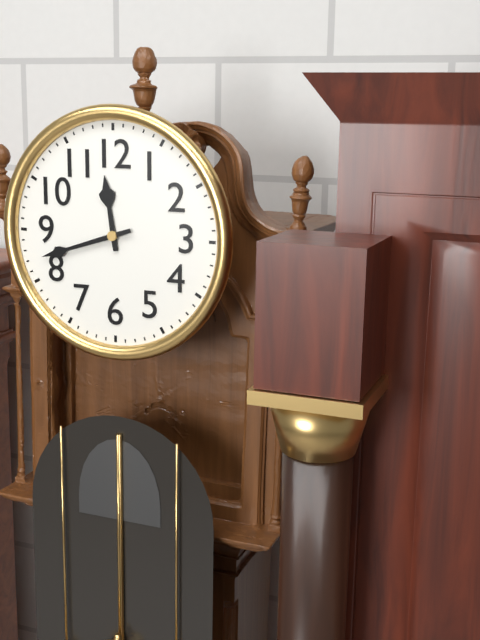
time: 11:42
